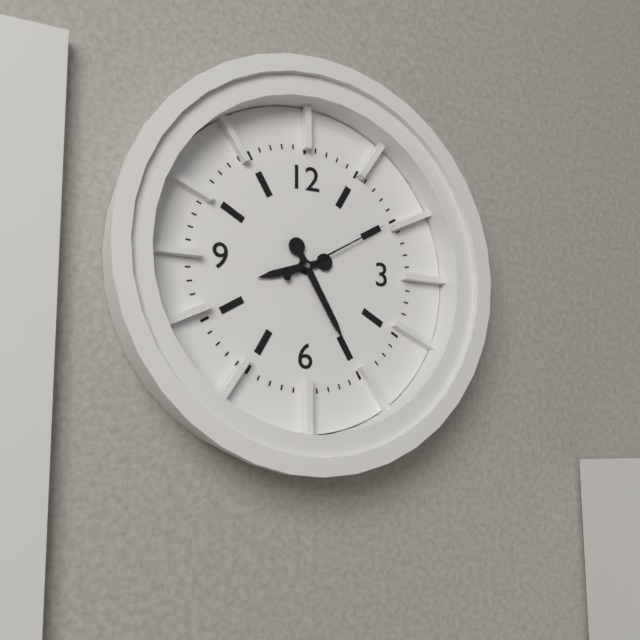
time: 8:25:10
